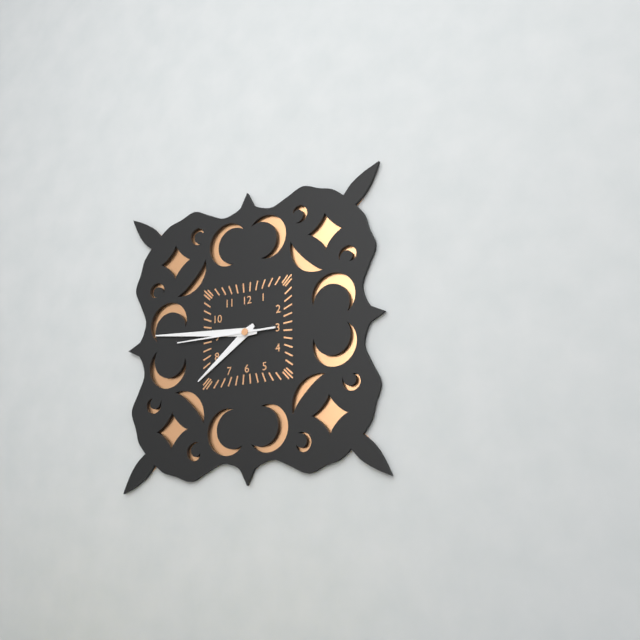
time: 7:46:45
